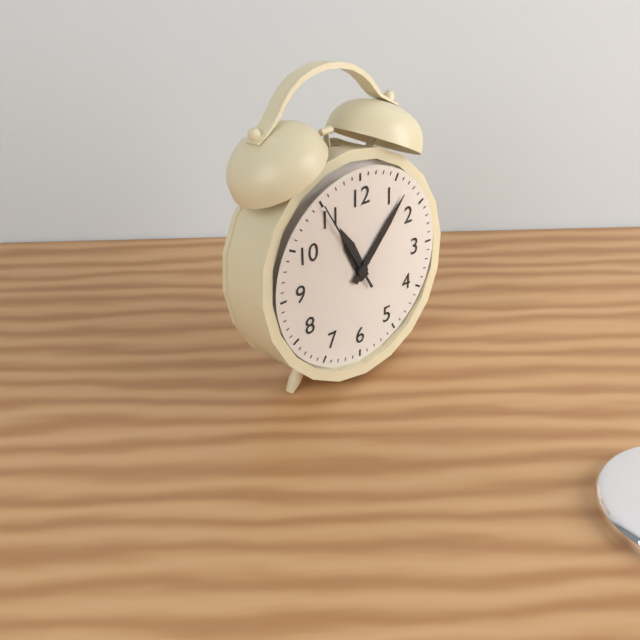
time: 11:07:55
